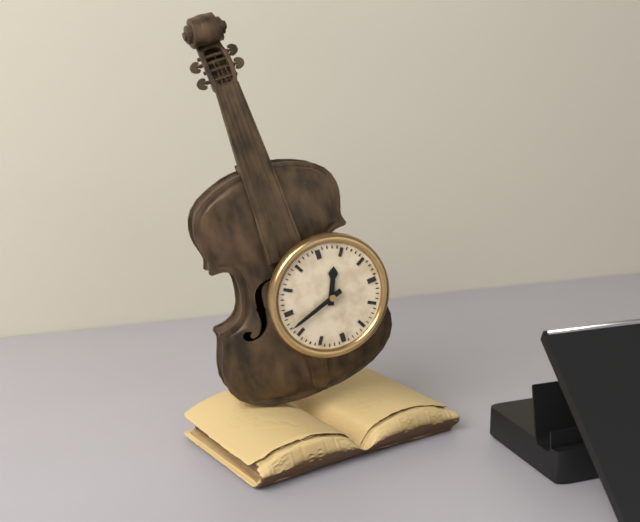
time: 12:42
